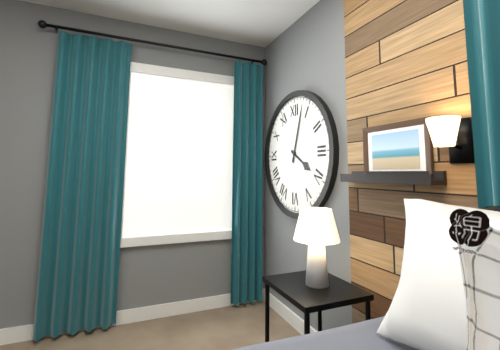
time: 4:03
